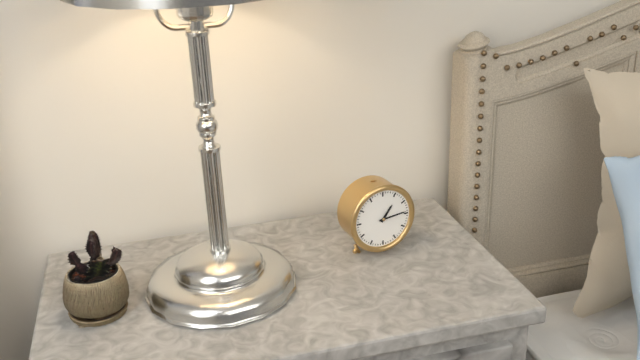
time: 1:14
